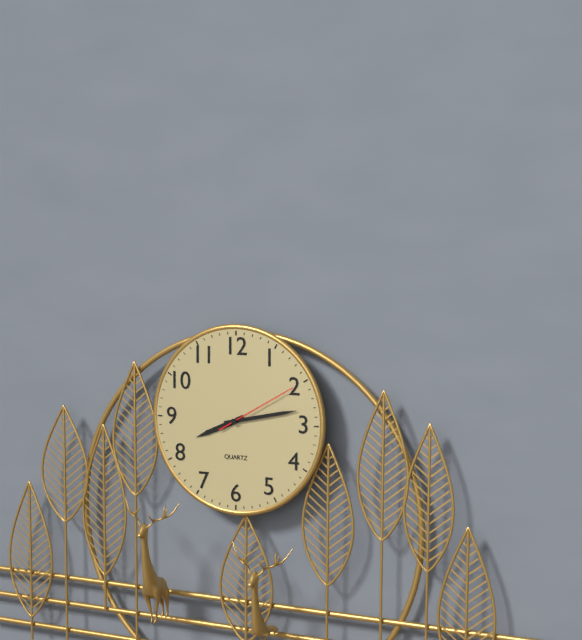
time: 8:13:10
